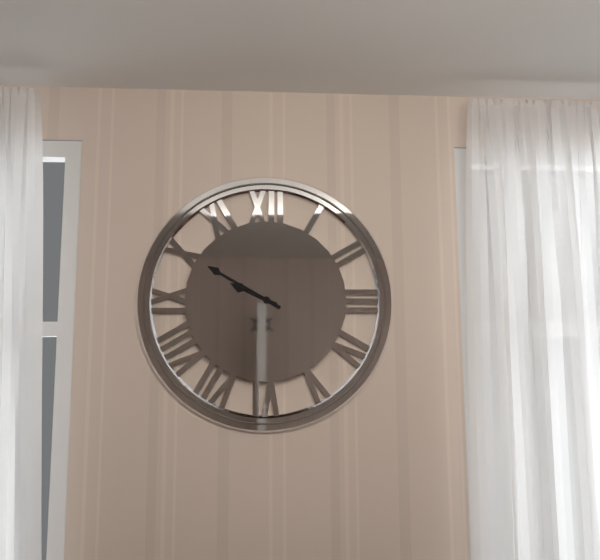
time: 9:50
